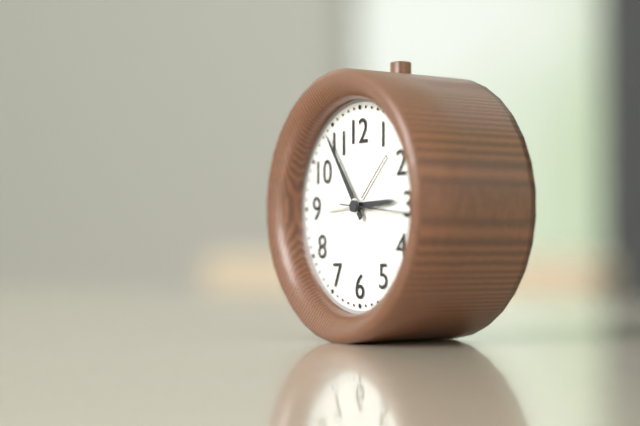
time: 2:54:16
